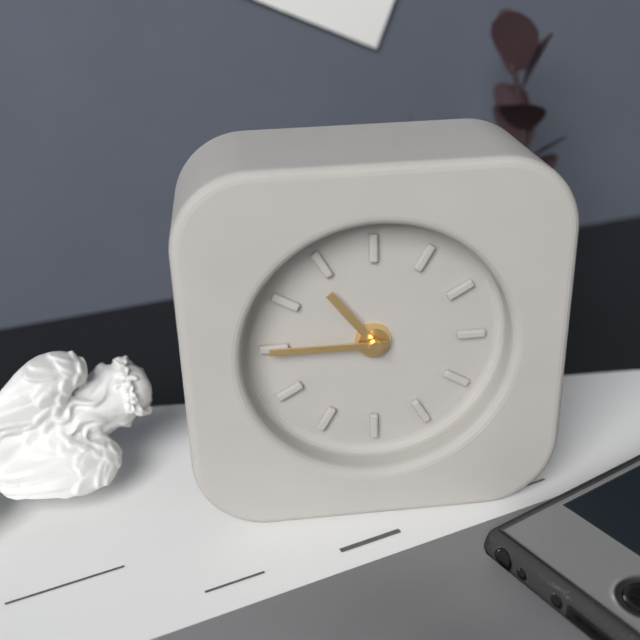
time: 10:45
